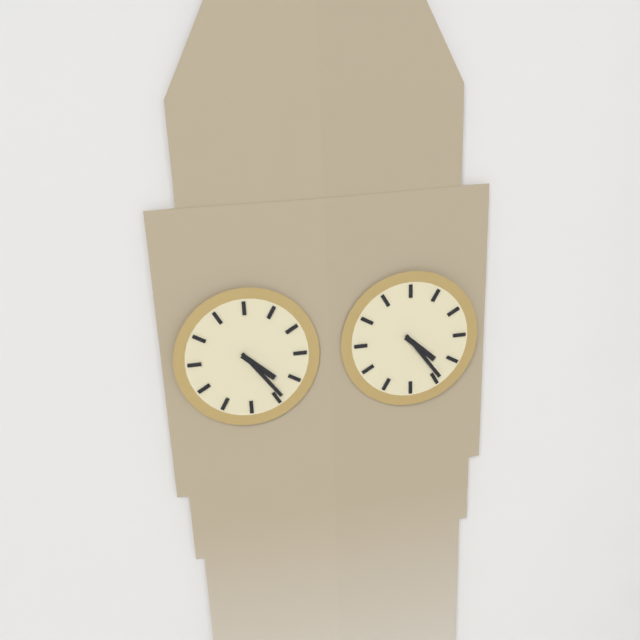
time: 4:24
